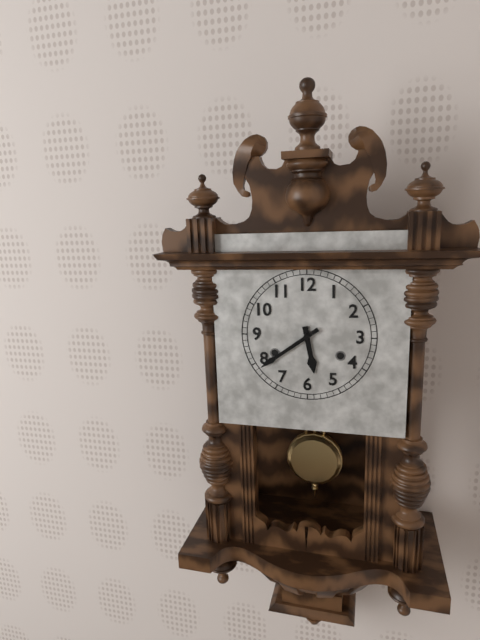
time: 5:39
